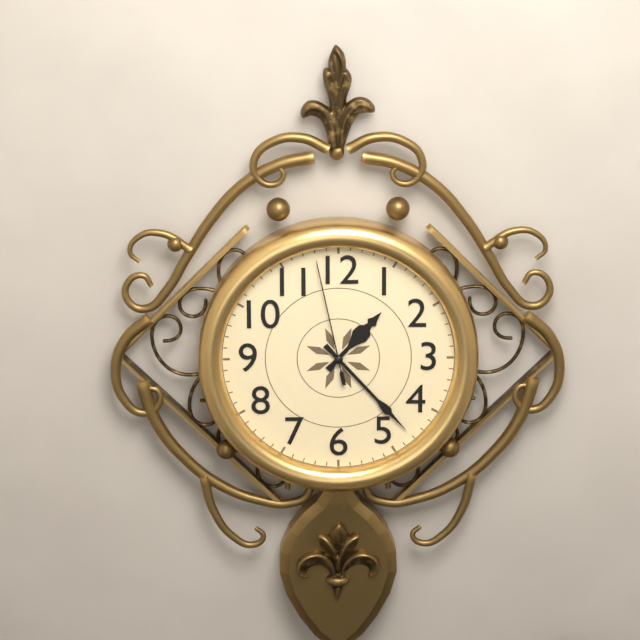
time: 1:23:58
